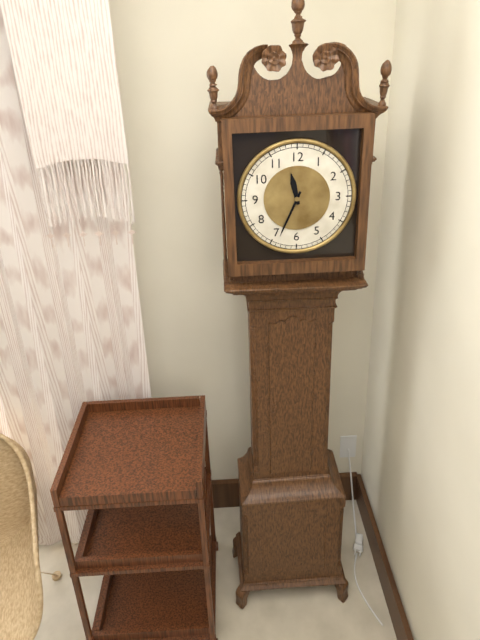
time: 11:34
